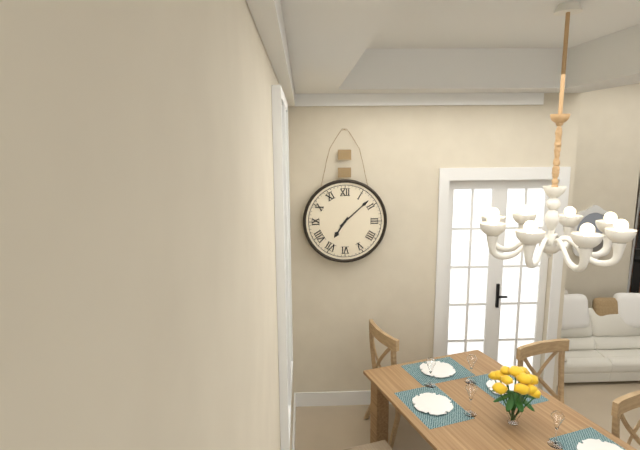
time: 7:08
